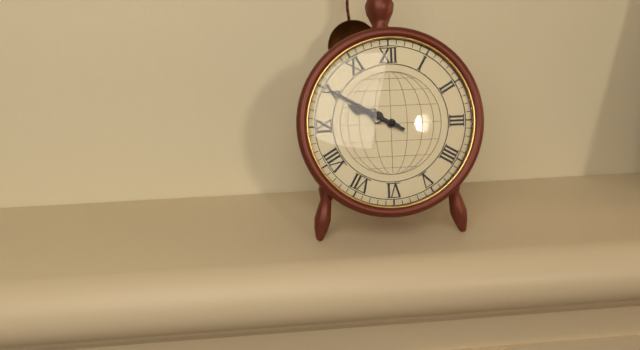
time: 9:50
